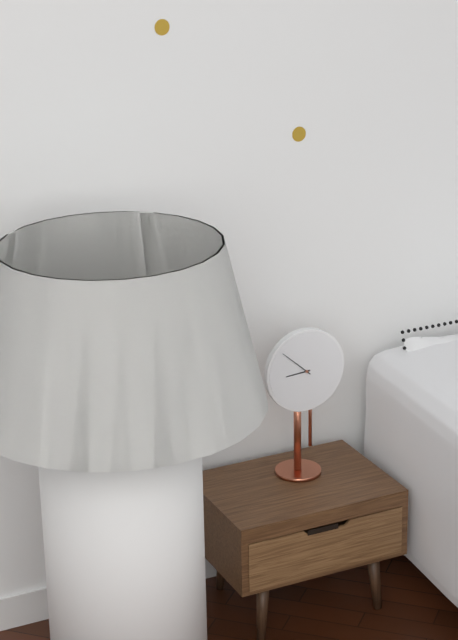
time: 8:52
